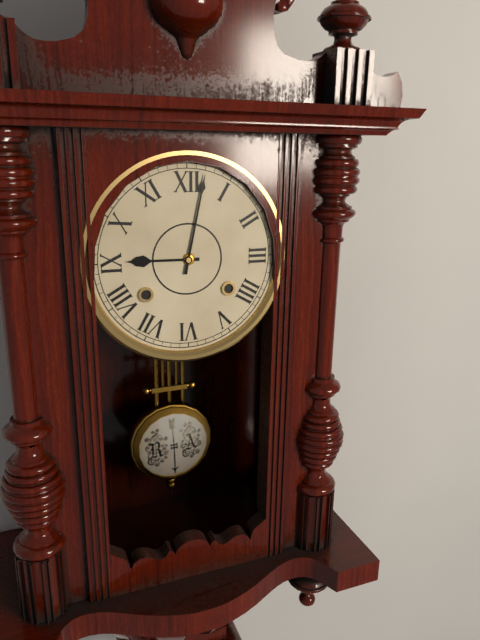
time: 9:02
